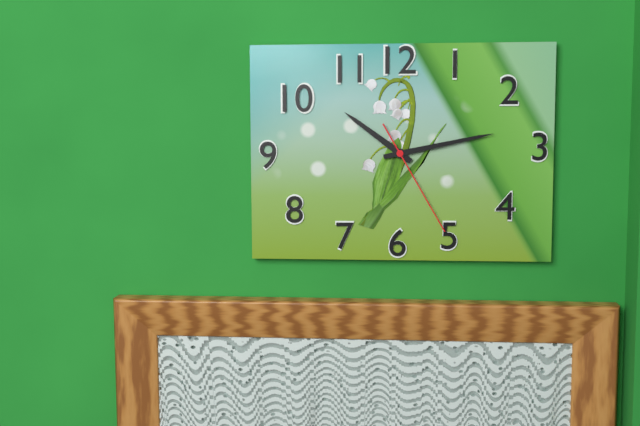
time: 10:13:25
